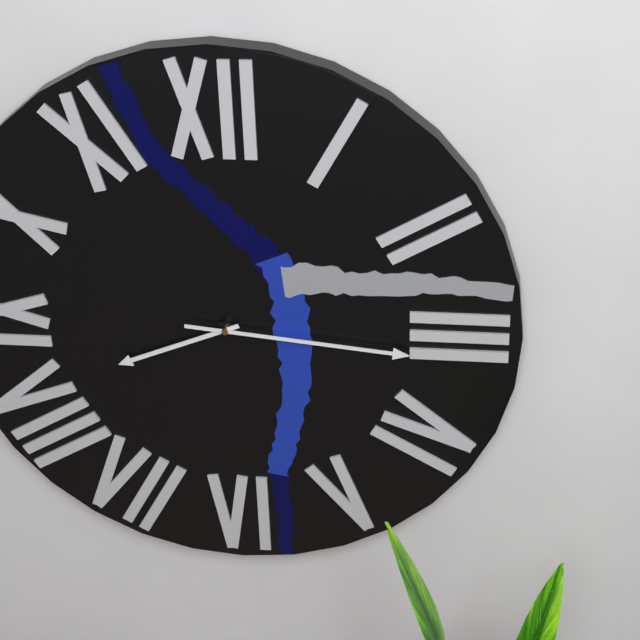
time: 8:16
